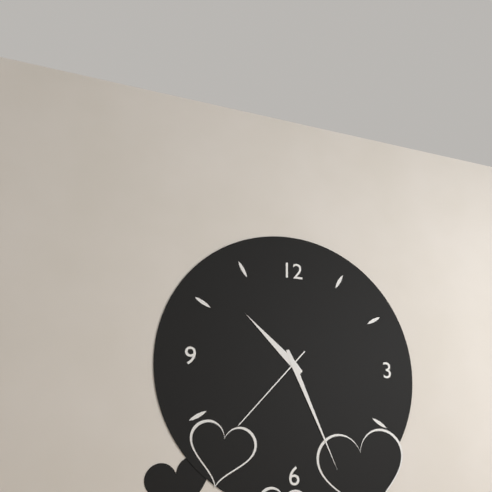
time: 10:26:37
